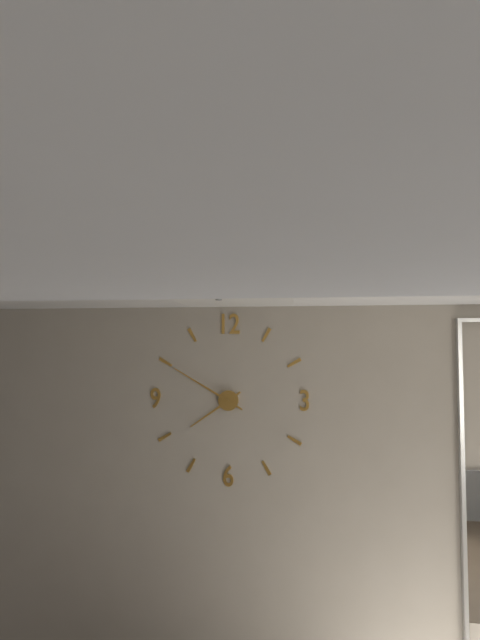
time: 7:50
